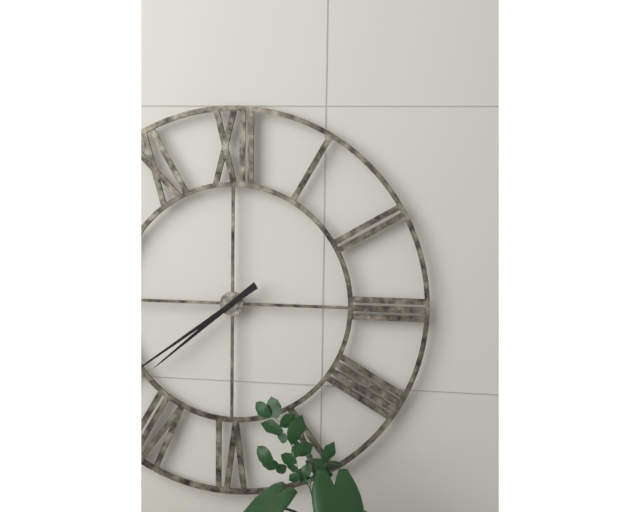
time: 7:39
